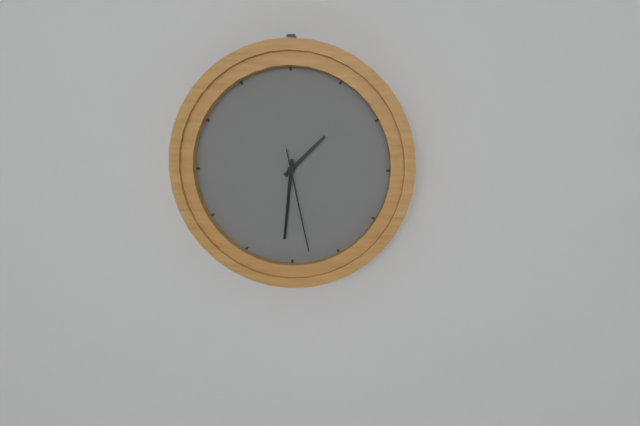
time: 1:31:28
